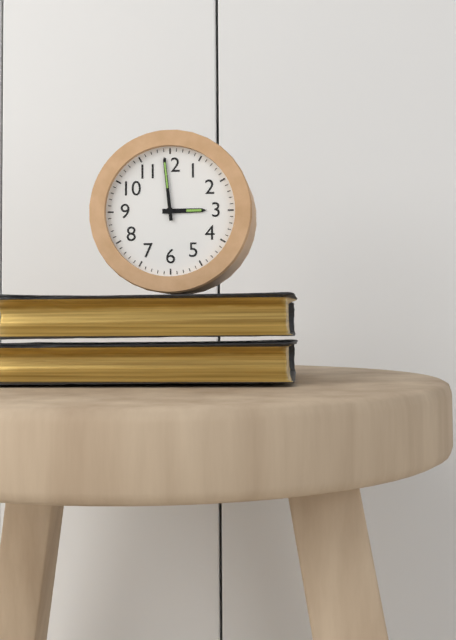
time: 2:59
